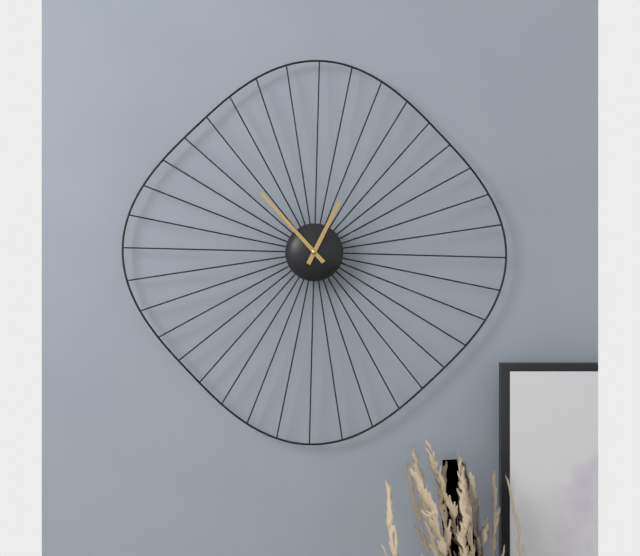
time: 12:53
